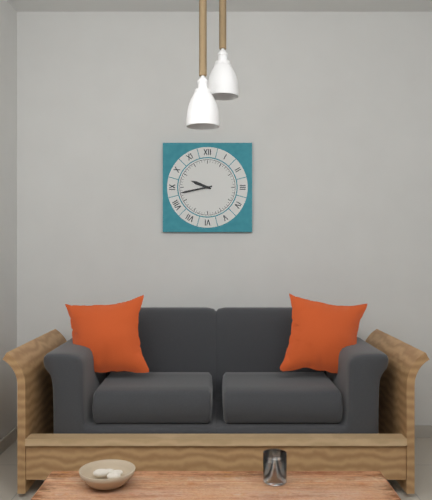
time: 9:43
